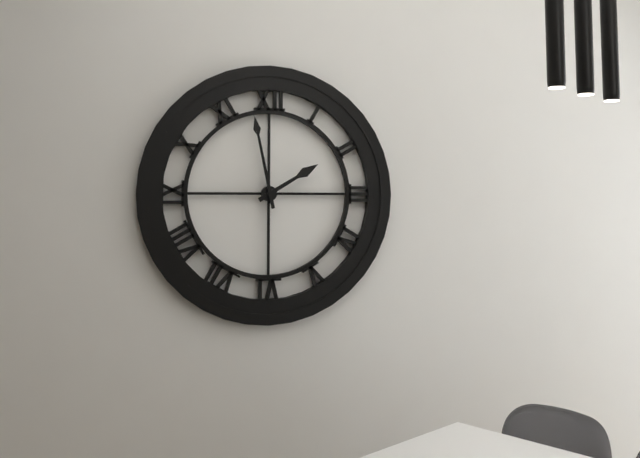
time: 1:58
